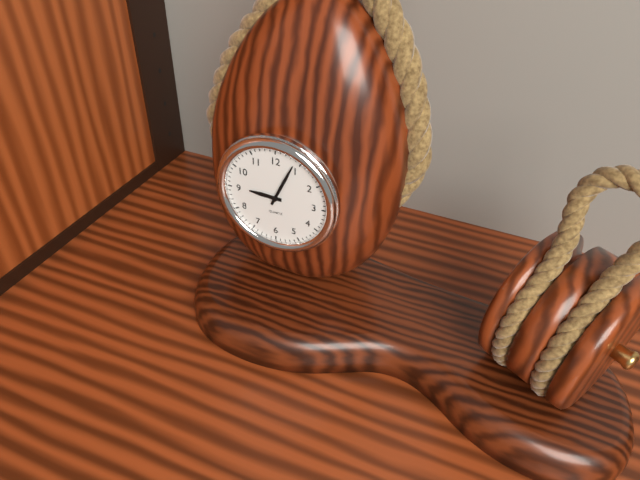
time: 9:04
